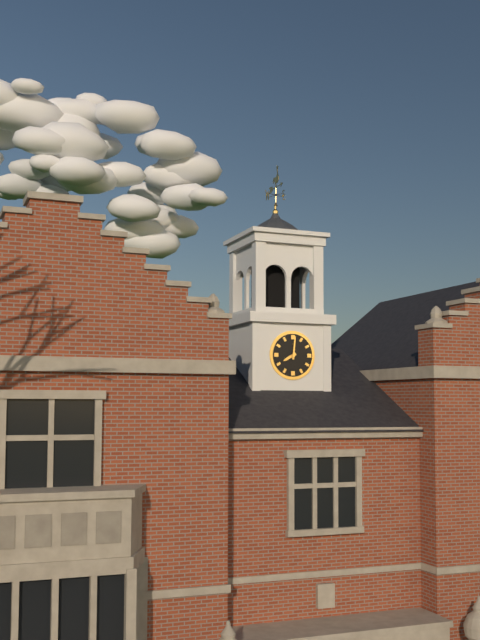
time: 8:01
